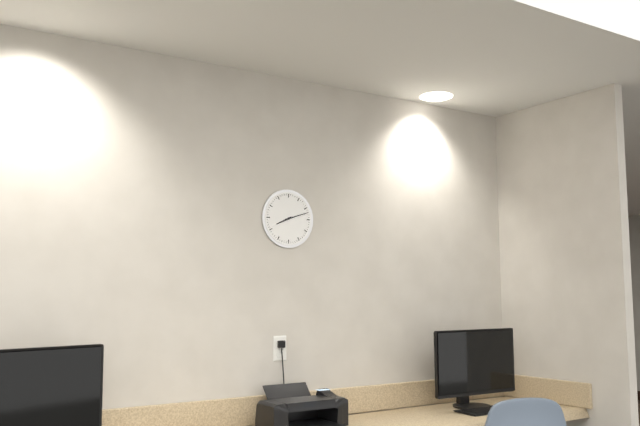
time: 8:12
